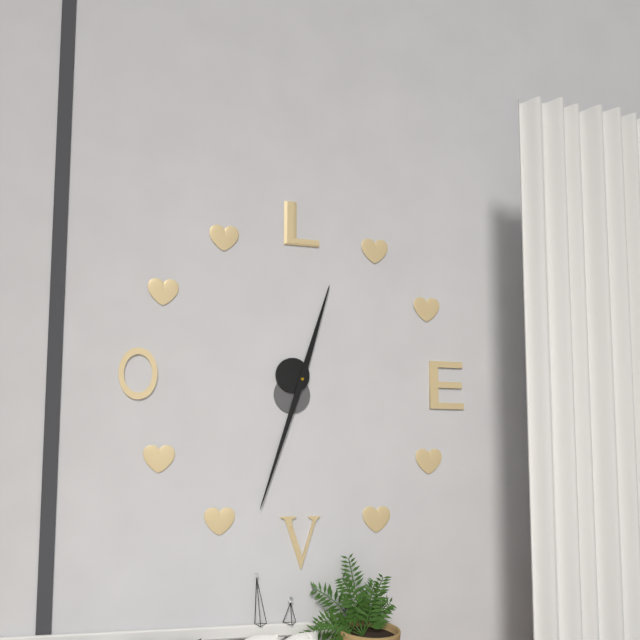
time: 12:33
